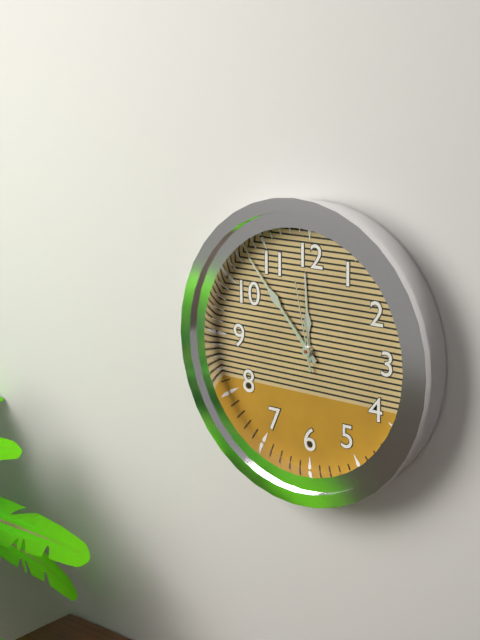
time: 11:53:58
